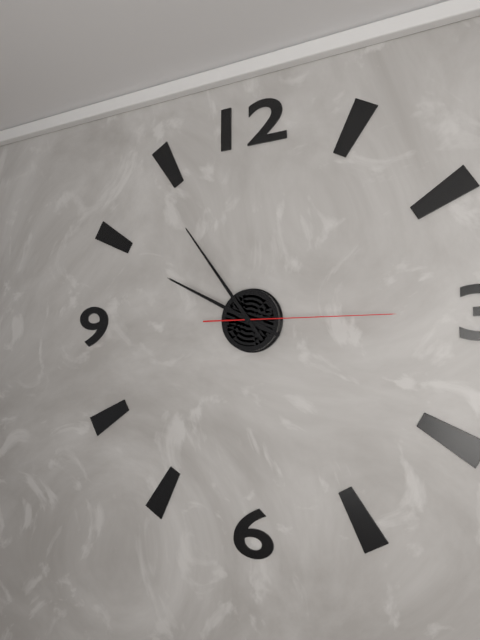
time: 9:54:15
